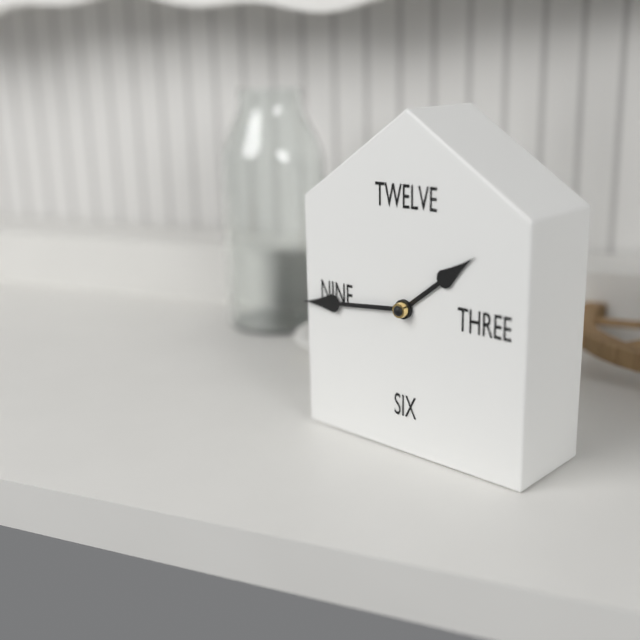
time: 1:44
